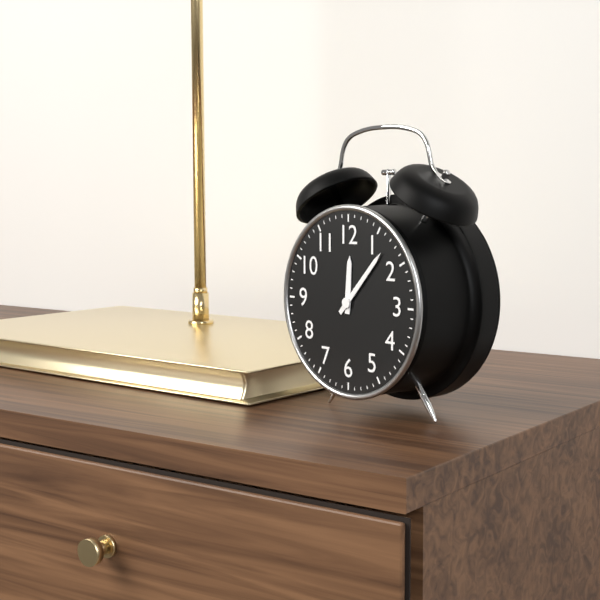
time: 12:07
